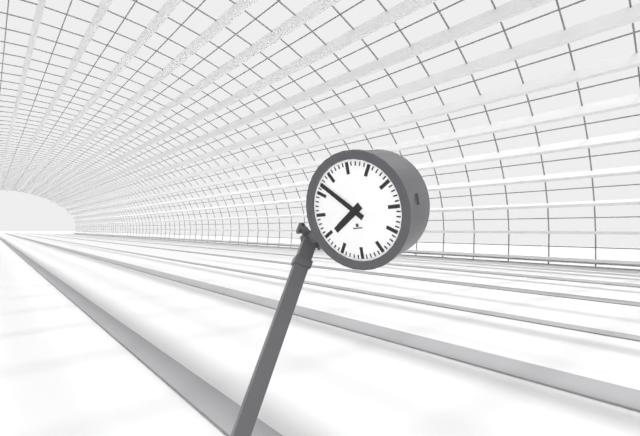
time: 7:52
